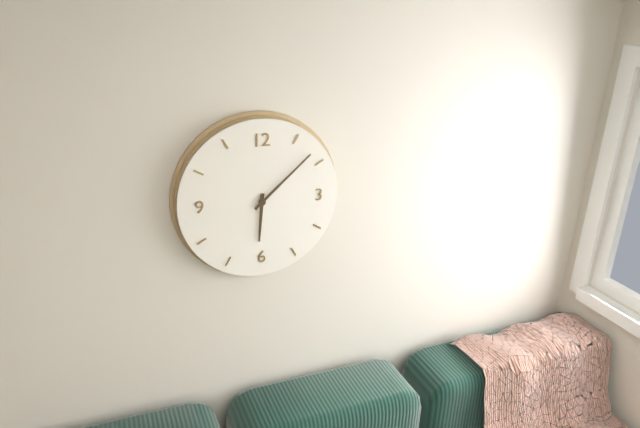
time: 6:08
